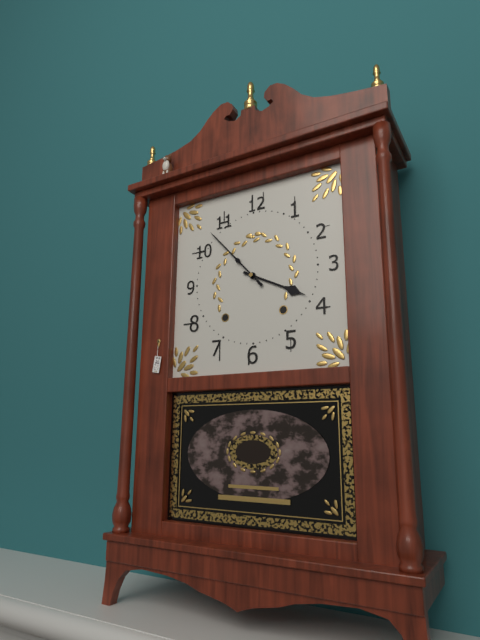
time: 3:53
